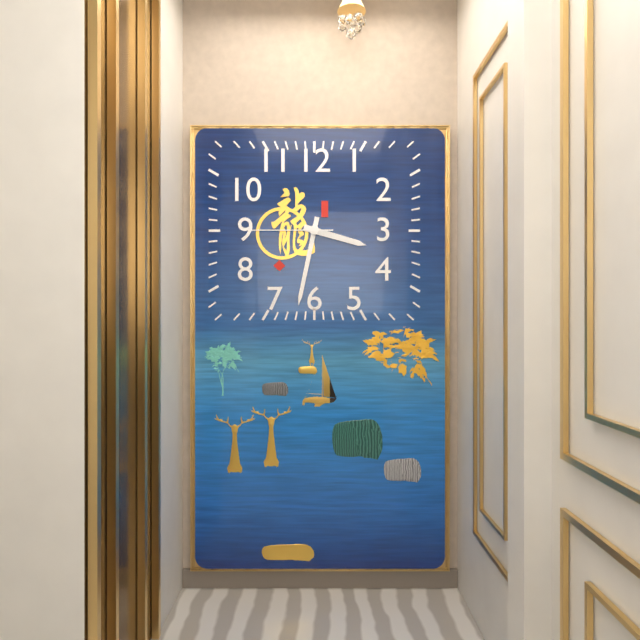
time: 3:32:45
